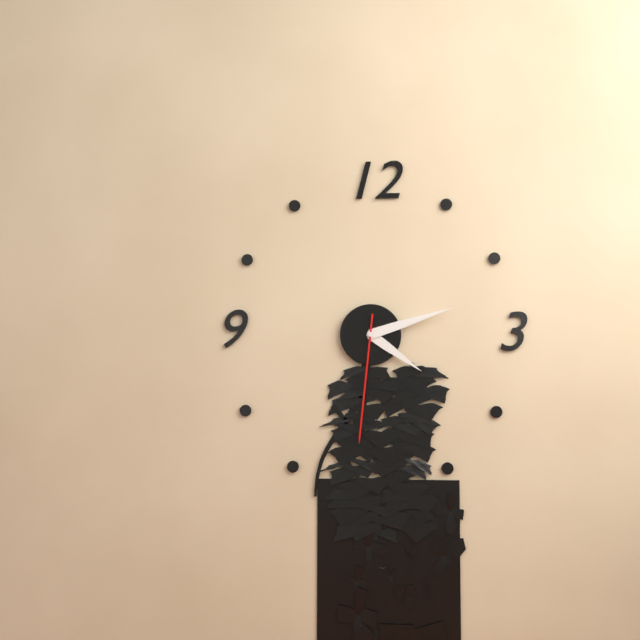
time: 4:12:31
